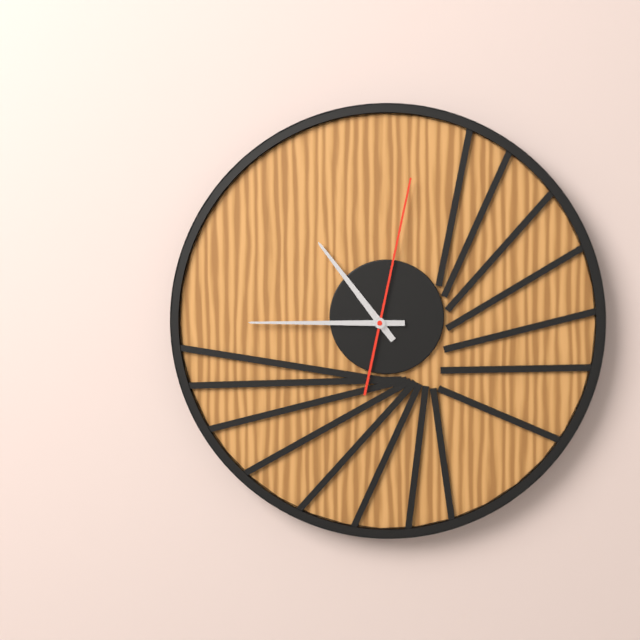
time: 10:45:02
